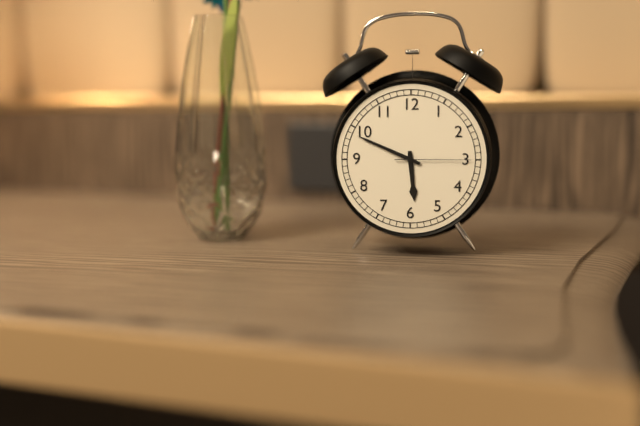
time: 5:49:15
